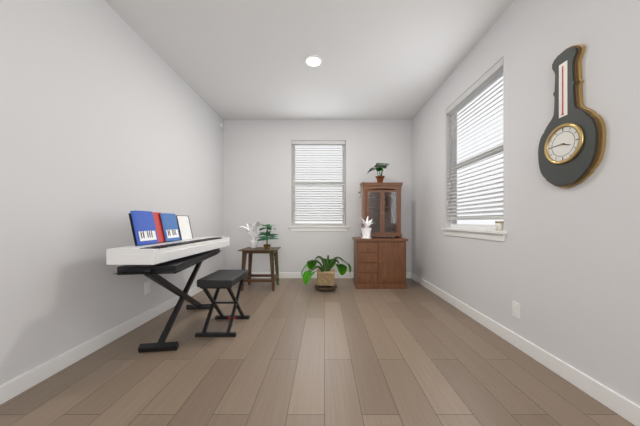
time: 3:45
